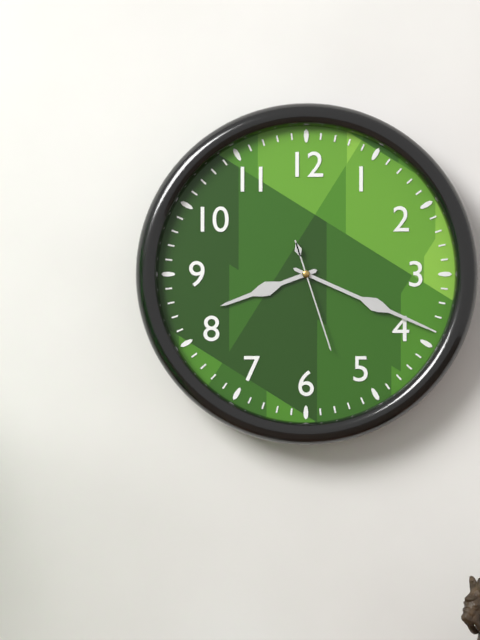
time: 8:19:27
